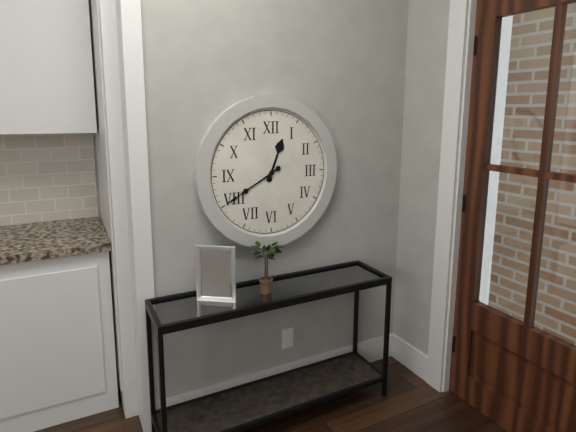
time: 12:40
